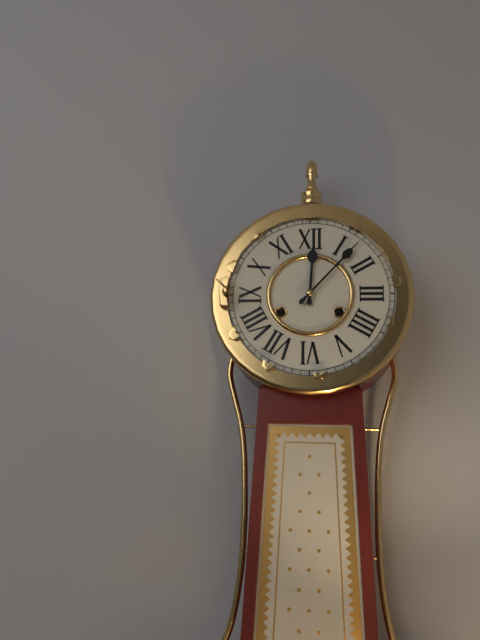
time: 12:07
